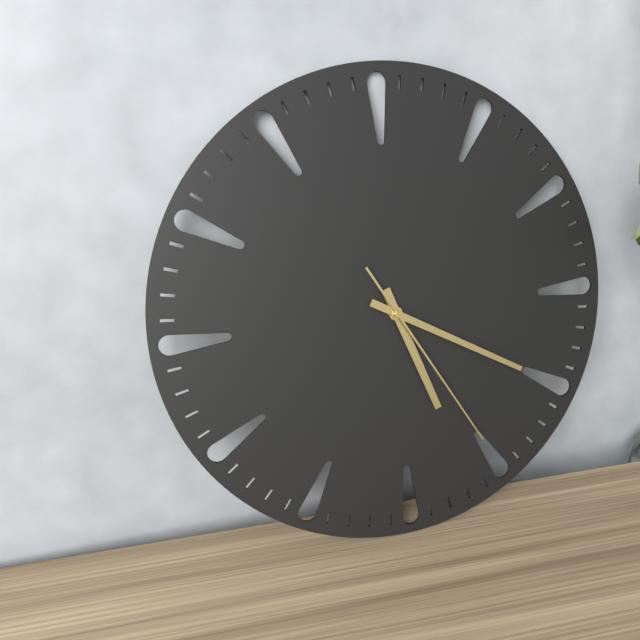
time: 5:20:25
